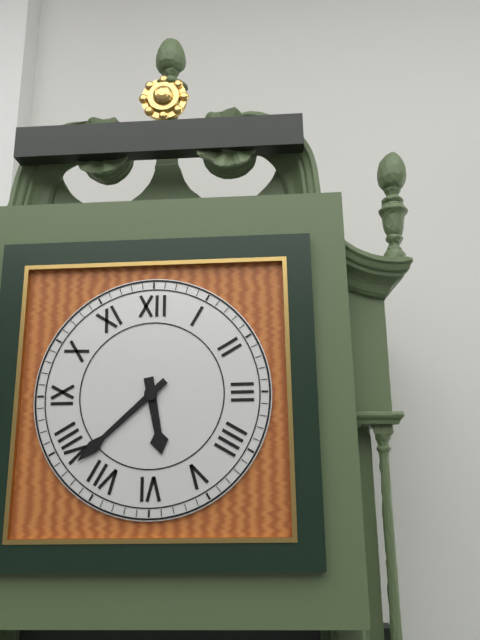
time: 5:38
